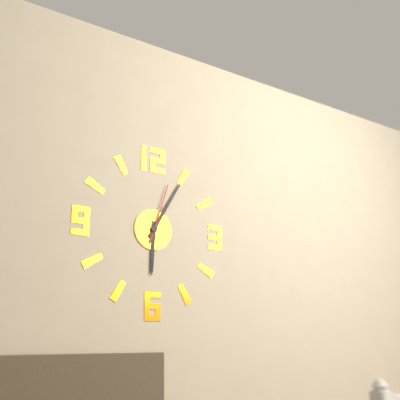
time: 6:05:03
